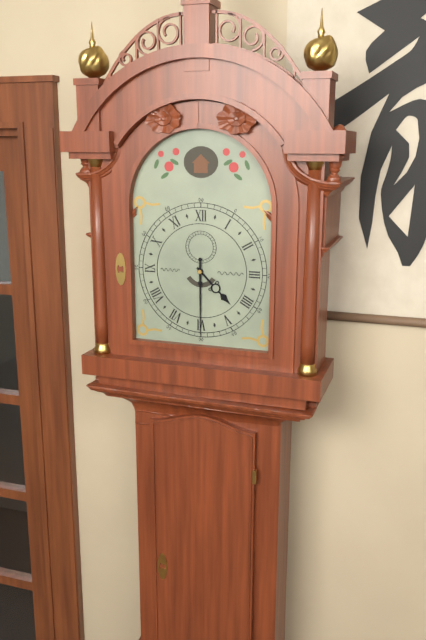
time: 4:30
